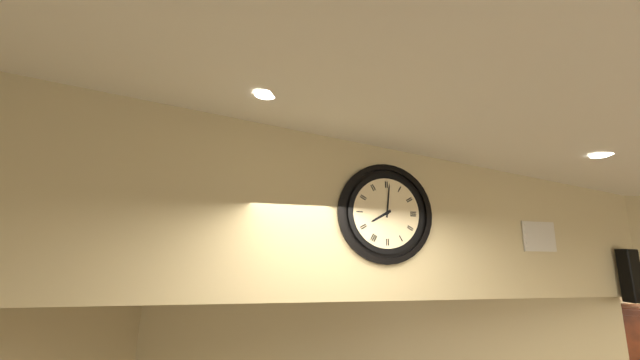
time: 8:01
